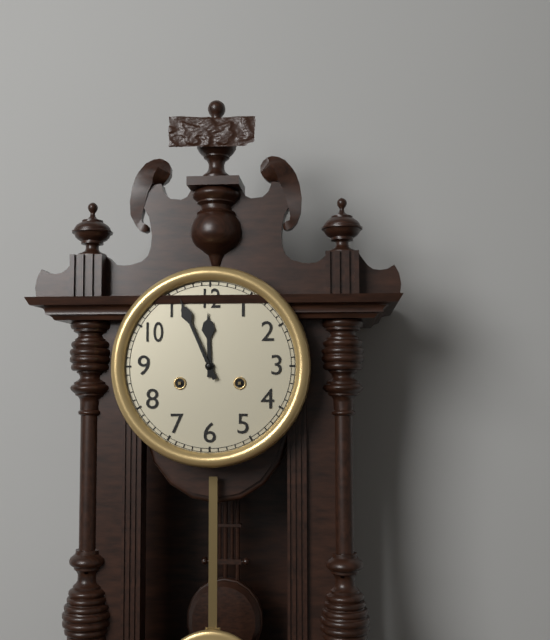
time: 11:56
